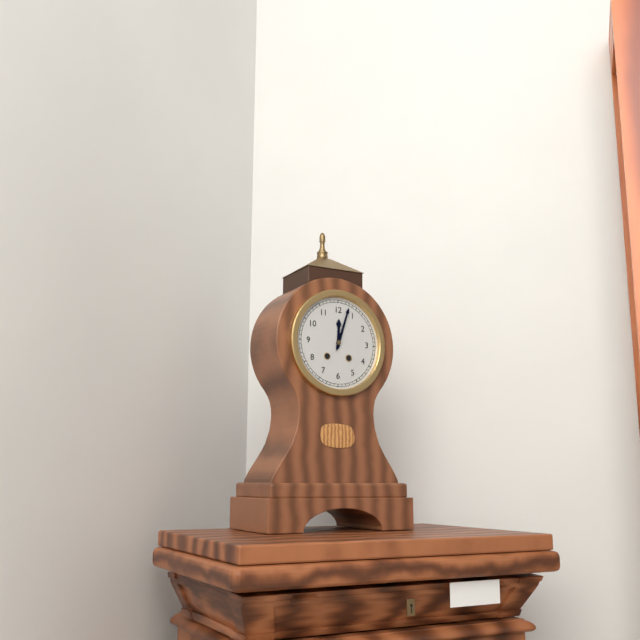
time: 12:03
